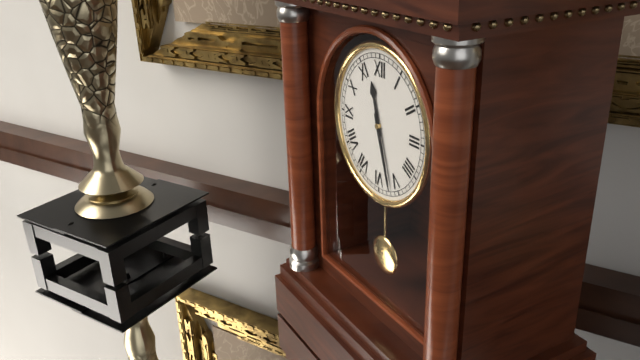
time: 11:27
